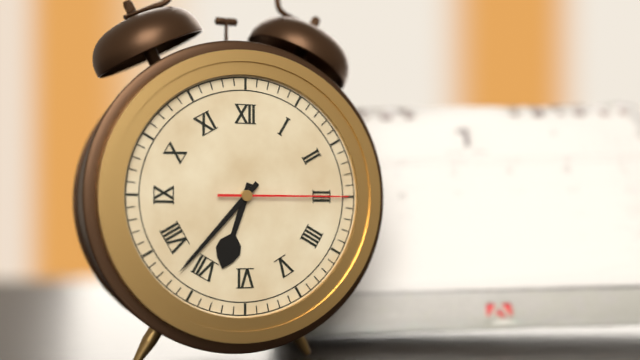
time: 6:37:15
